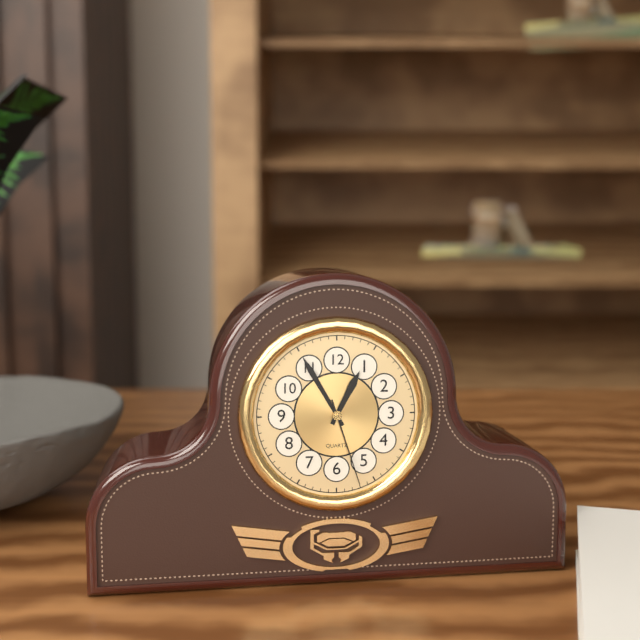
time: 12:55:27
